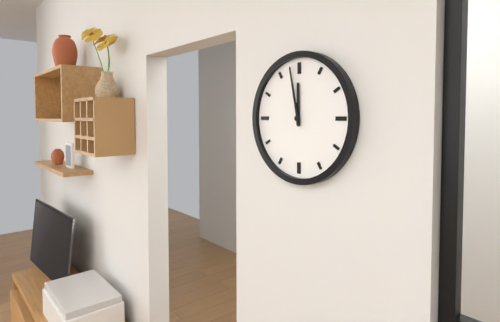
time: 11:58
